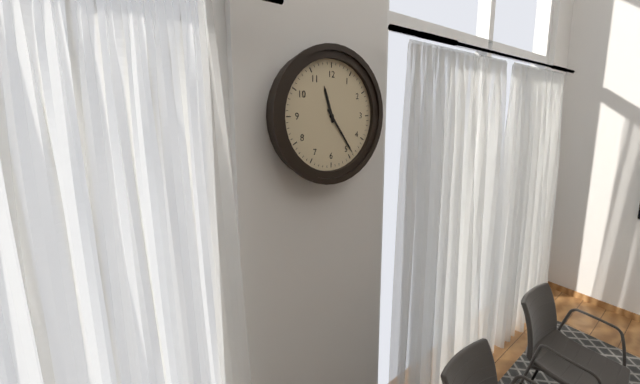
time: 11:24
